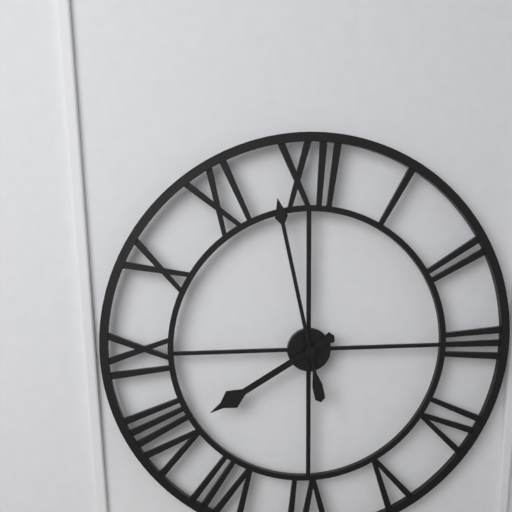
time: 7:58
